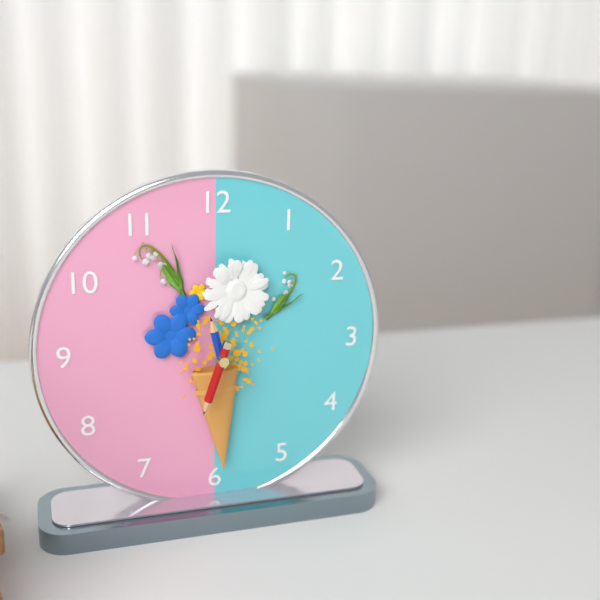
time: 11:33
